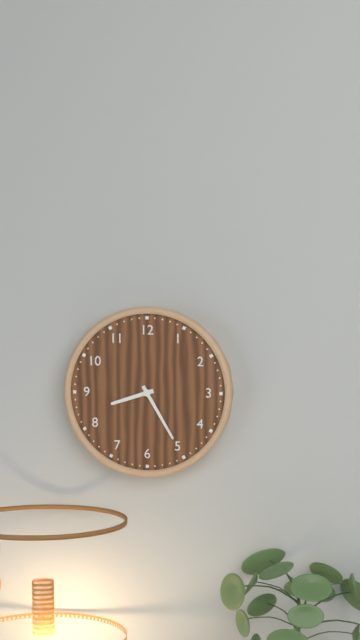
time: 8:25
